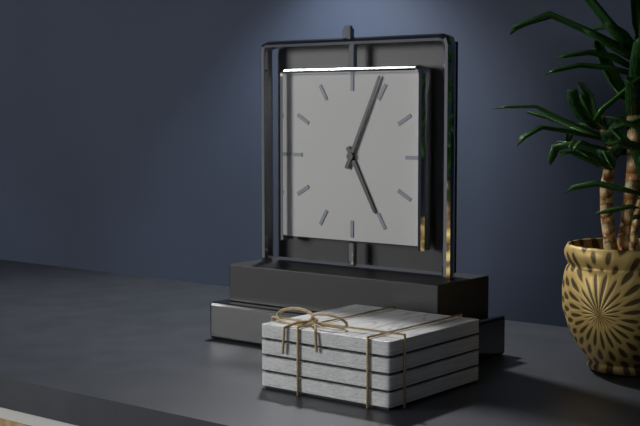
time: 5:04
